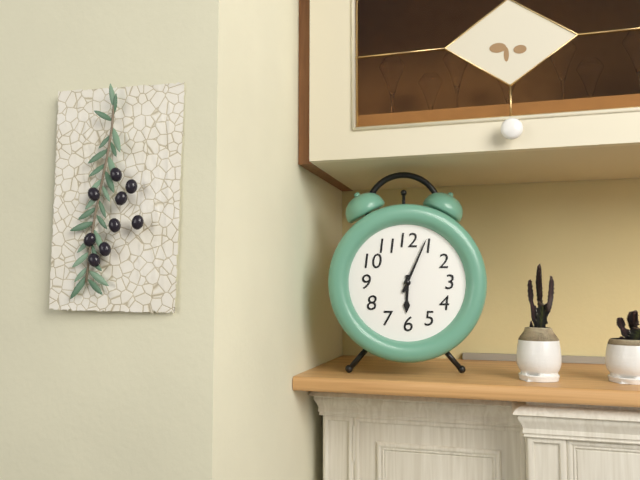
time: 6:04
